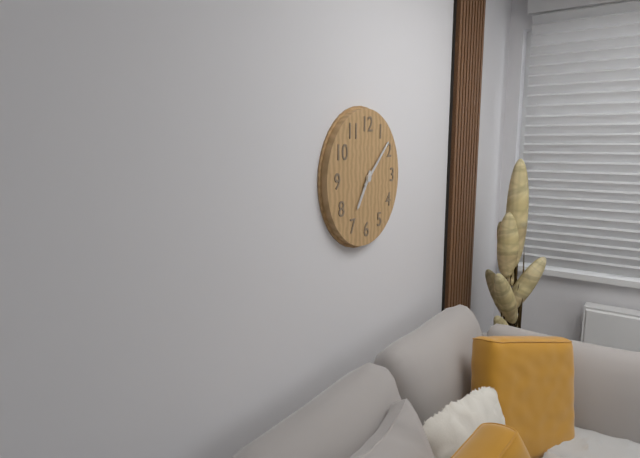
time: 7:08
